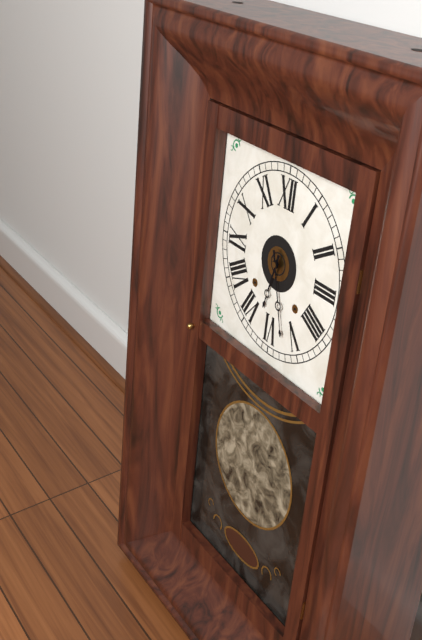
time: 6:27
